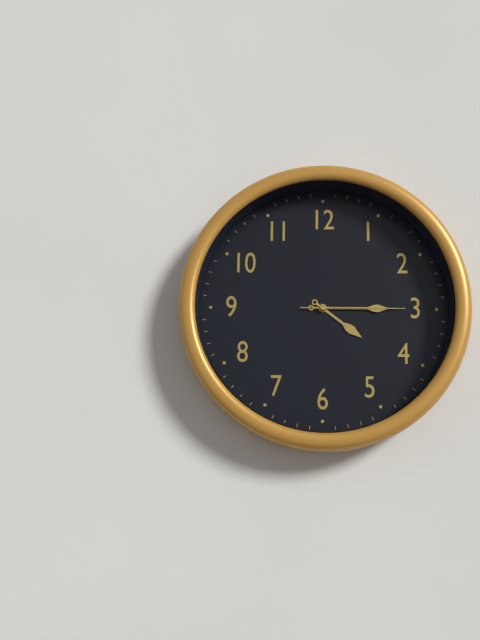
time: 4:15:15
